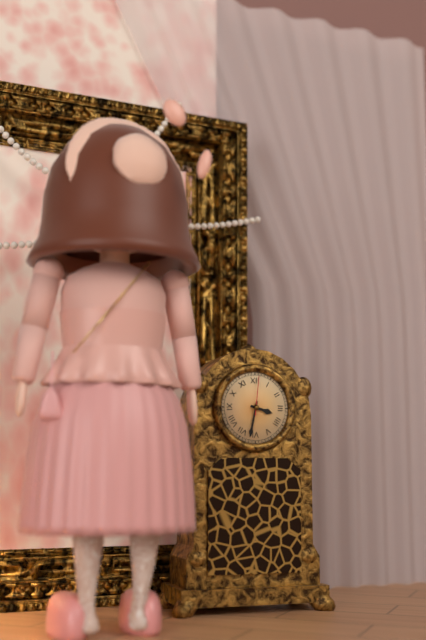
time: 3:32
